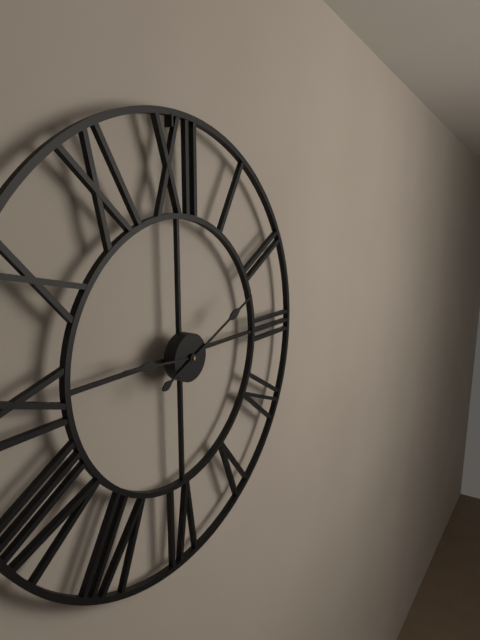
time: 9:11
